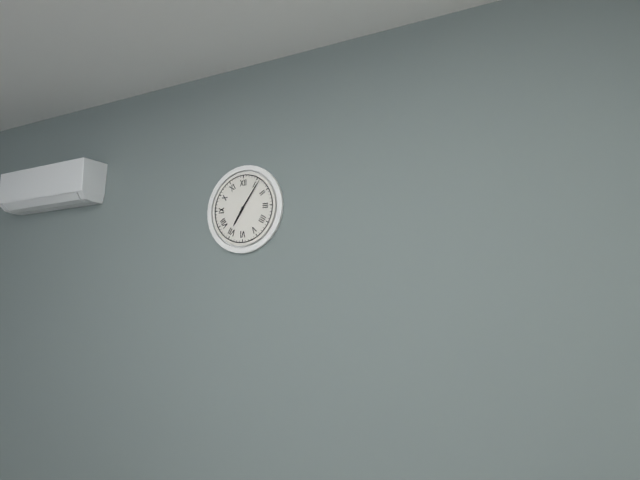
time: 7:06
